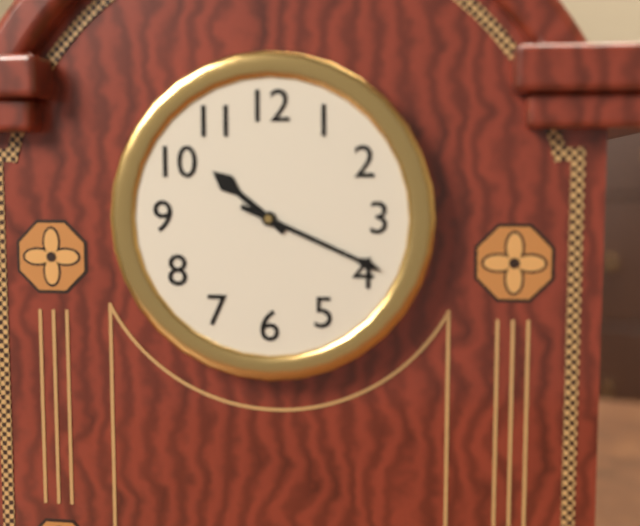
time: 10:19
